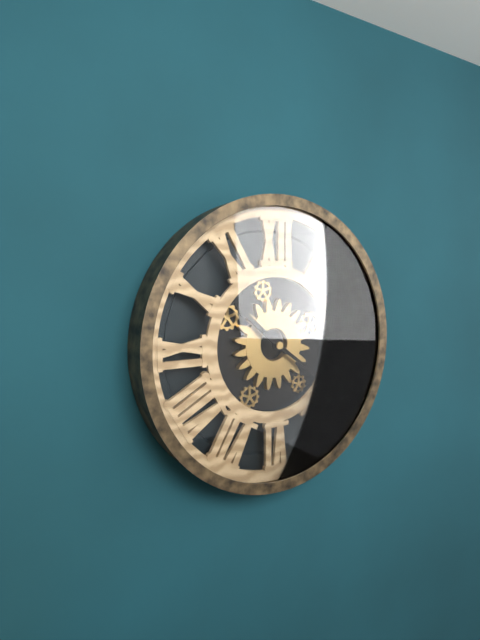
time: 10:21
